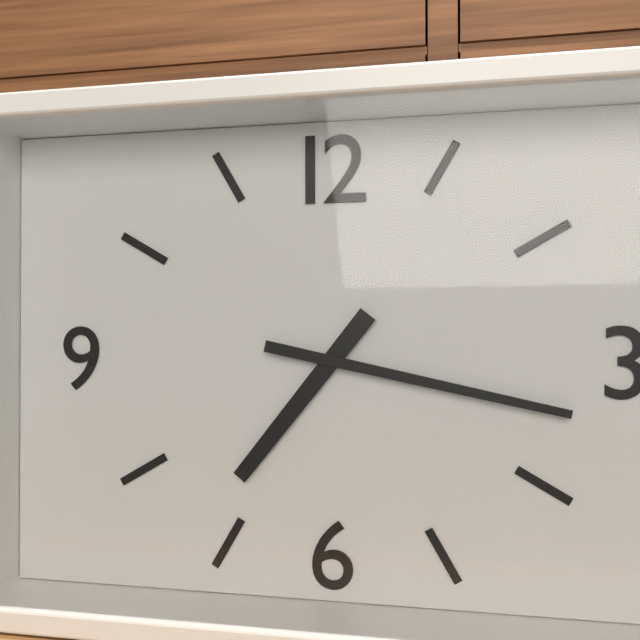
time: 7:17
